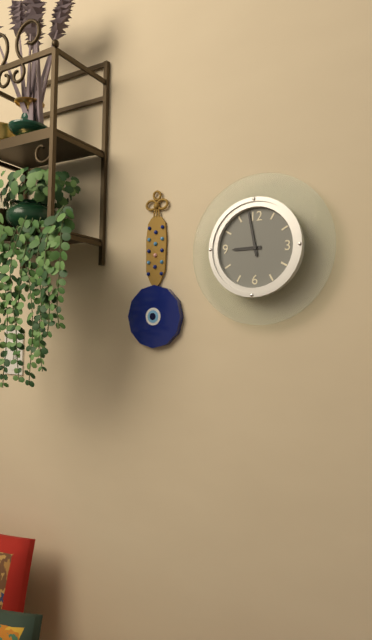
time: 8:58
